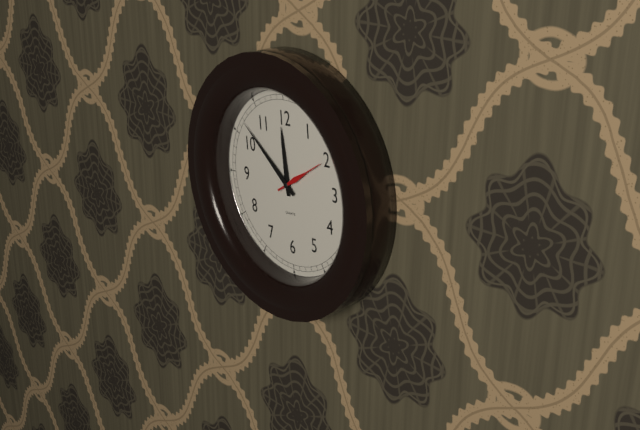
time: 11:52:10
